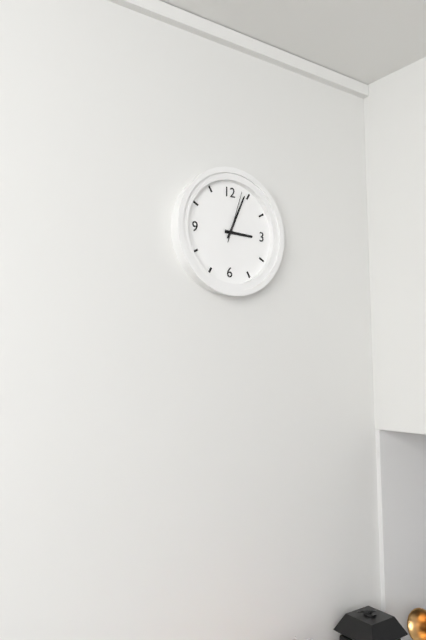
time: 3:04:03
